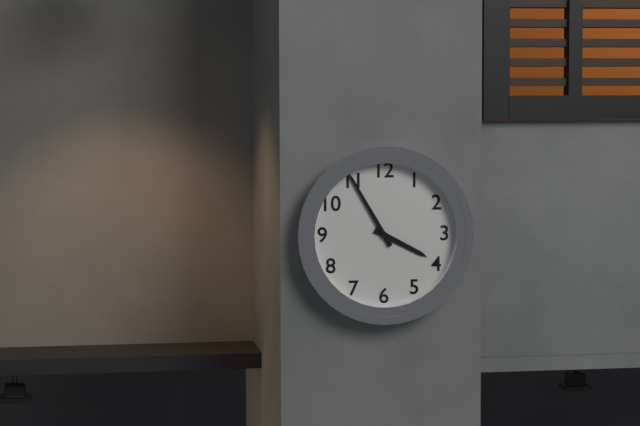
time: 3:55
